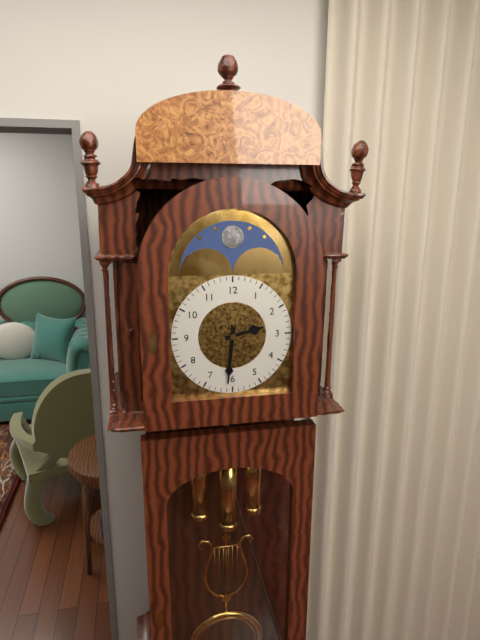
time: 2:31
